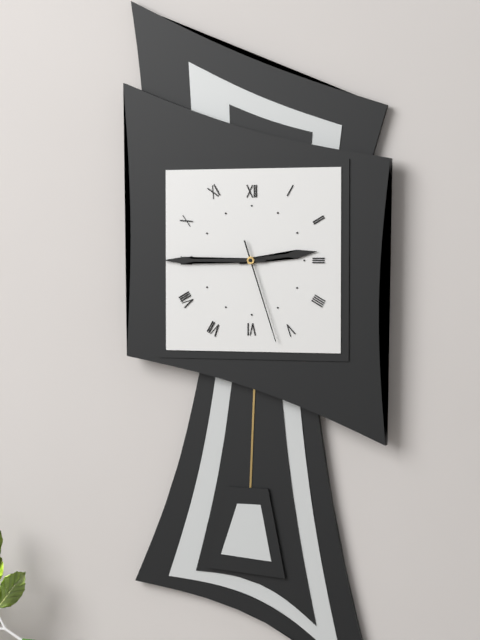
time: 2:45:27
